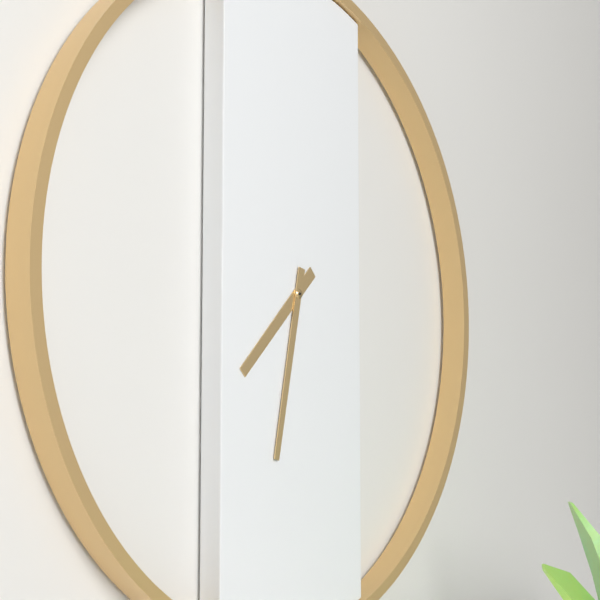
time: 7:32
